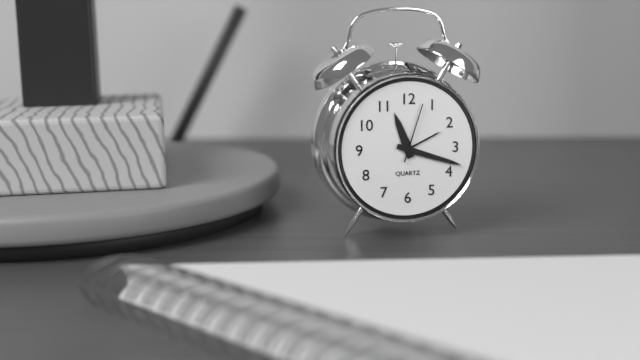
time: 11:18:03
